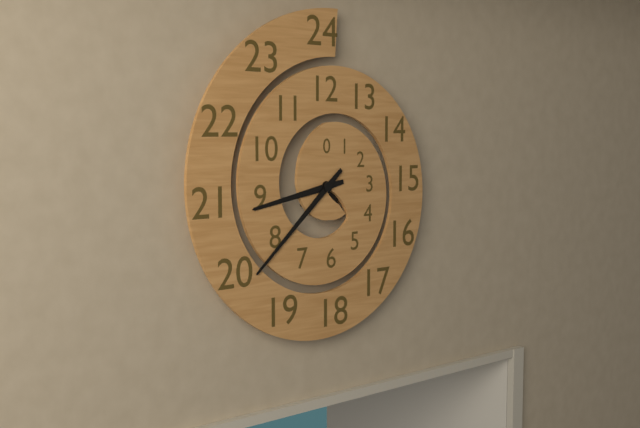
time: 8:38
